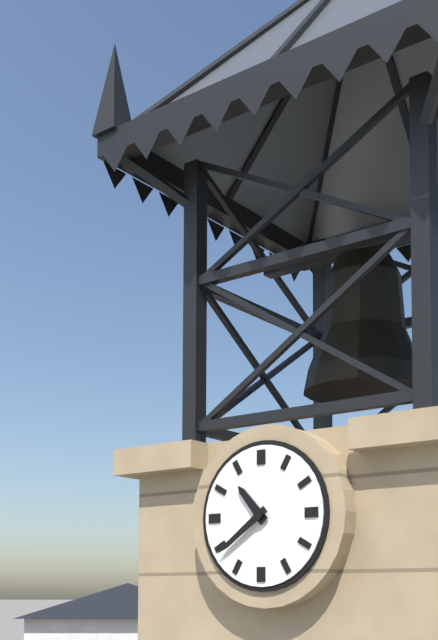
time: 10:39
